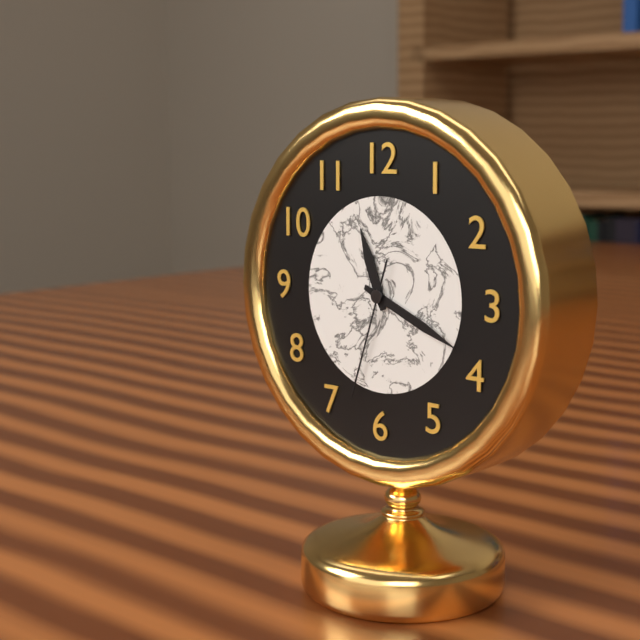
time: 11:19:33
